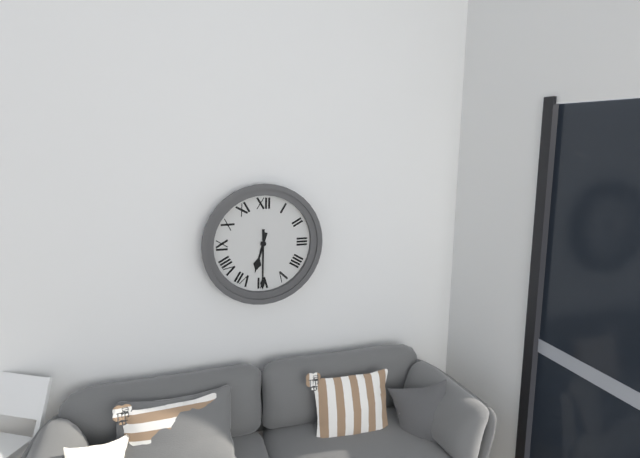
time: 6:30
